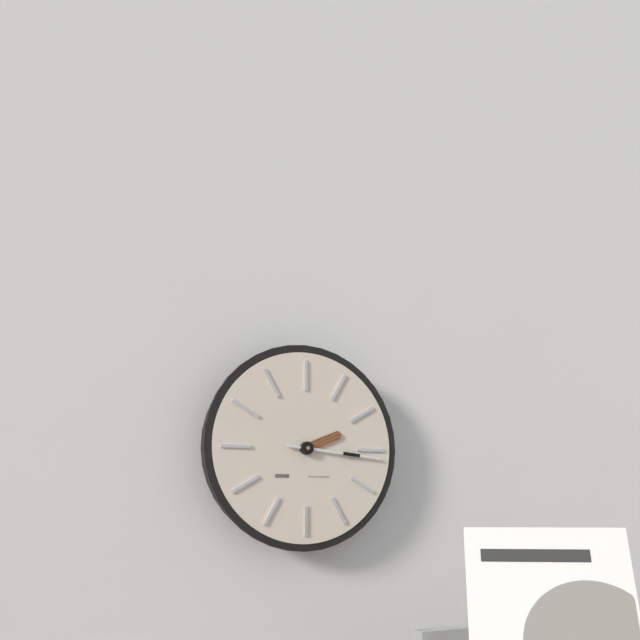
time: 2:16
